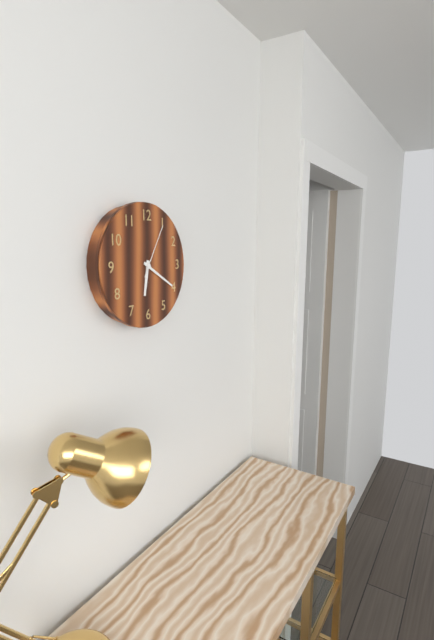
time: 6:20:05
